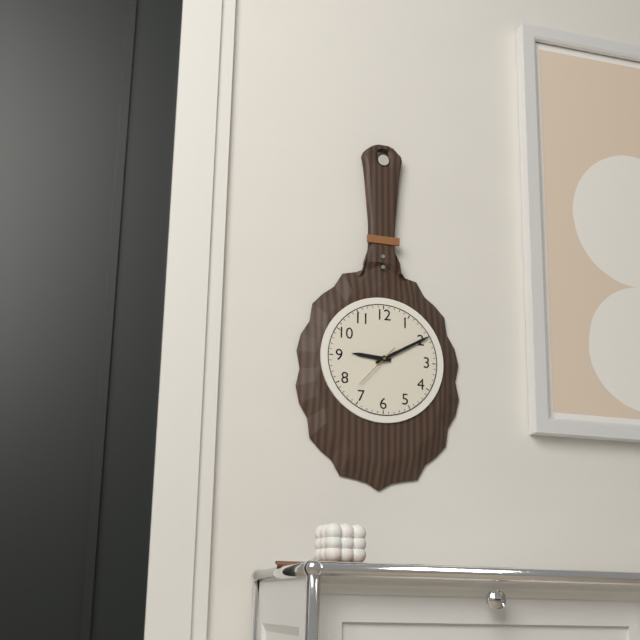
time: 9:10
